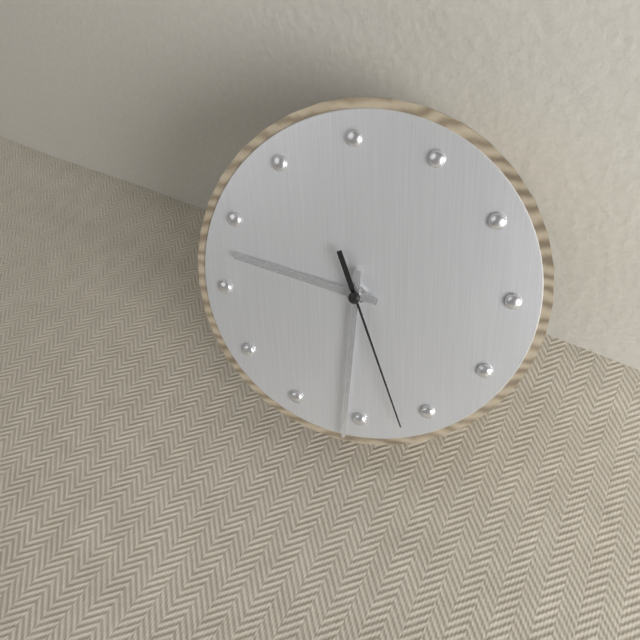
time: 9:31:27
